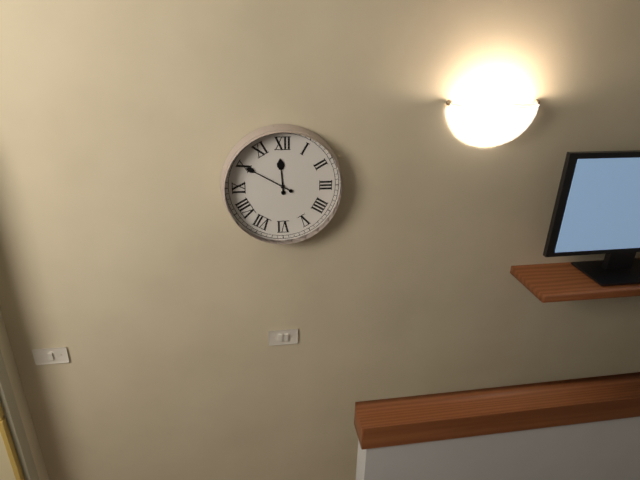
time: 11:50
